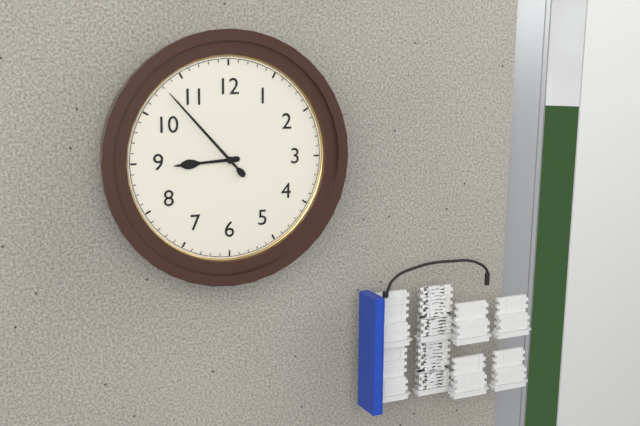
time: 8:53
